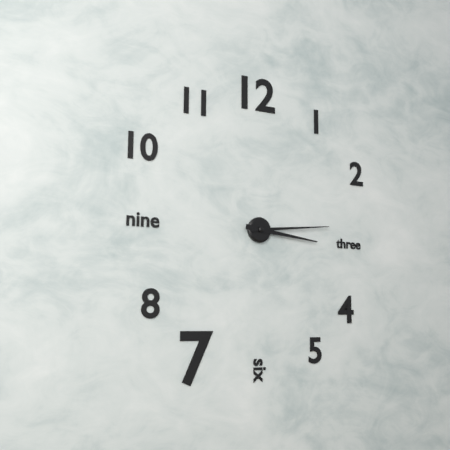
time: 3:14
